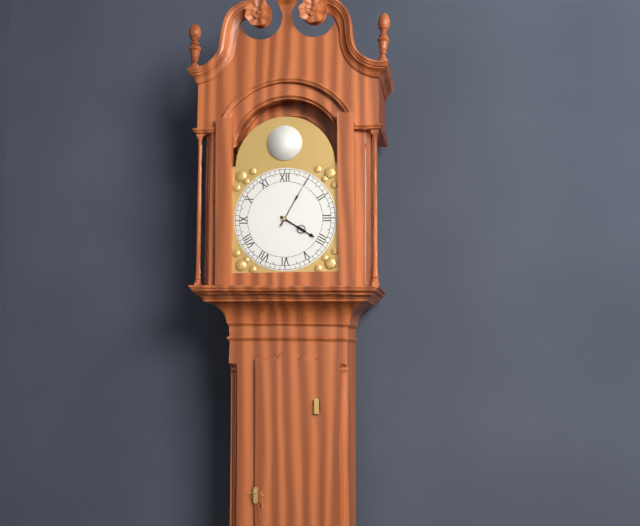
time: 4:05
